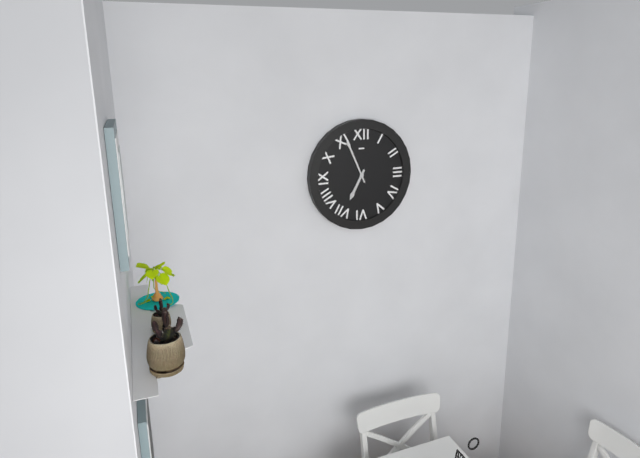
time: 6:56
